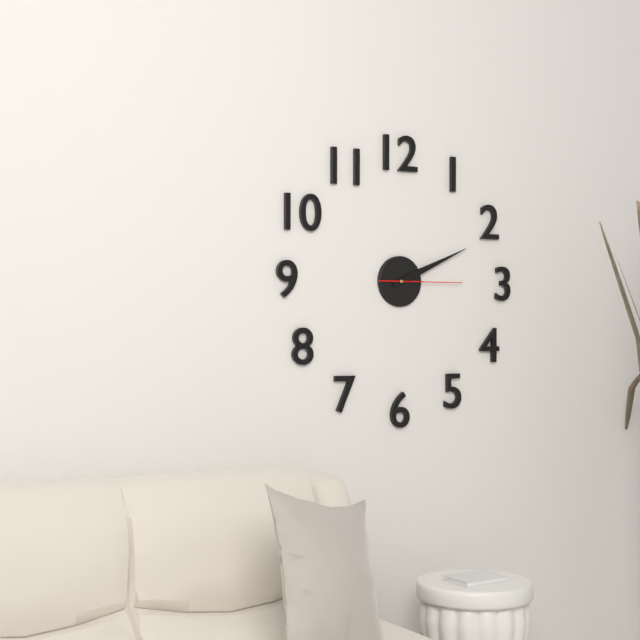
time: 2:11:15
